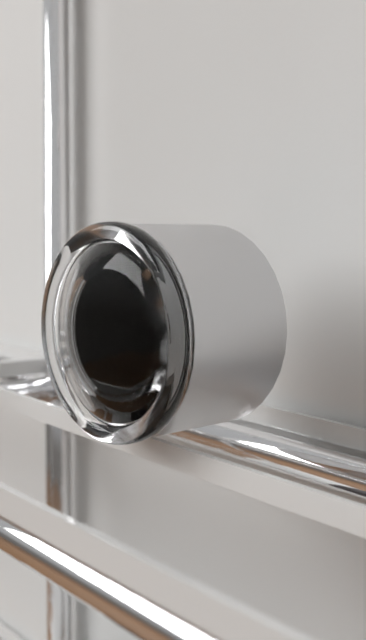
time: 10:36:33
